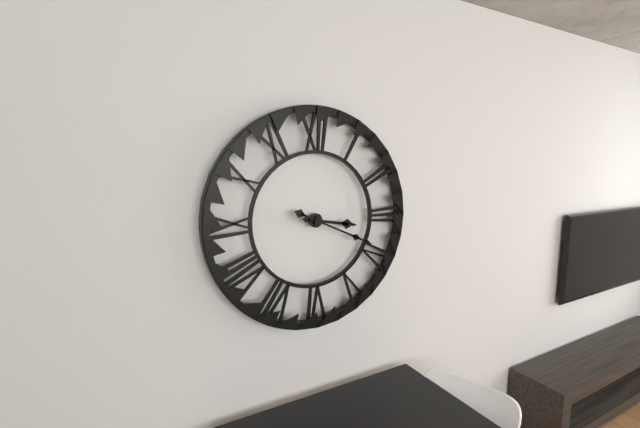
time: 3:19
